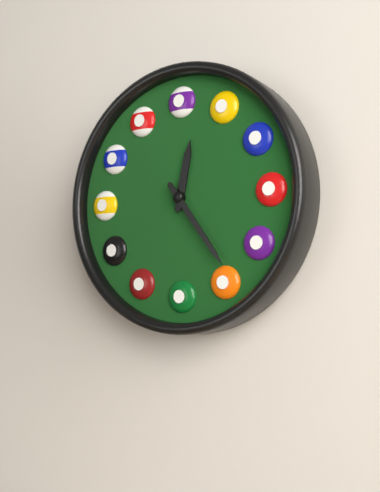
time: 12:24
